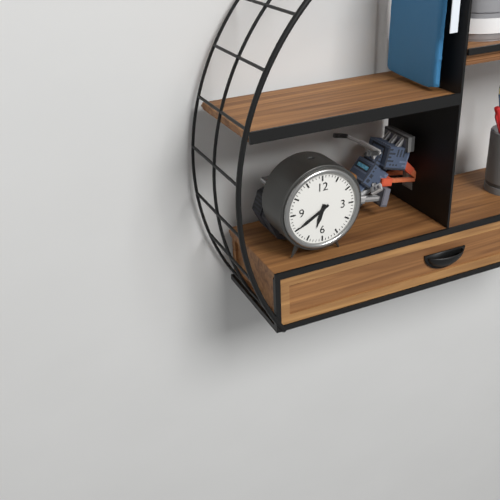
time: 6:40
